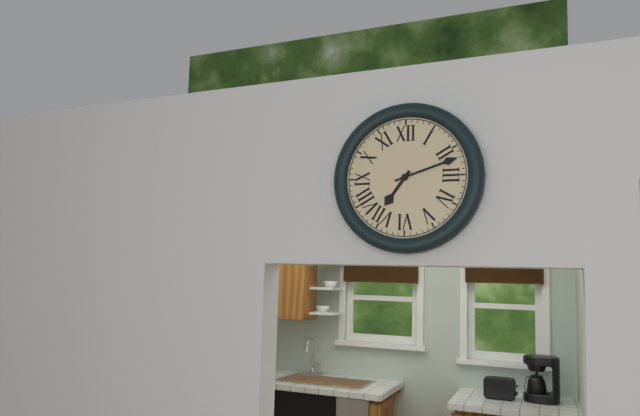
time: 7:12
